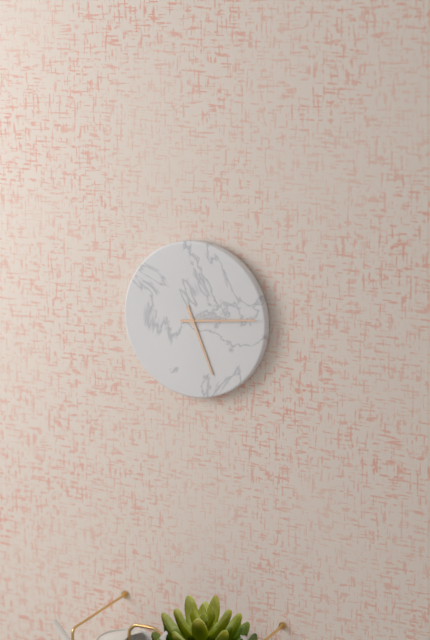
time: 5:14
